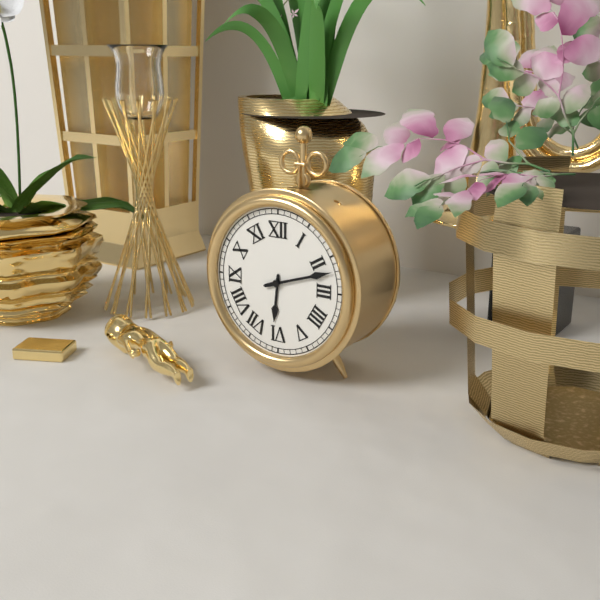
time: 6:12
